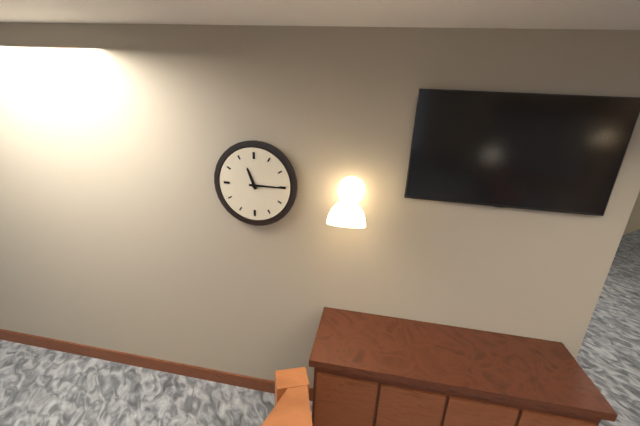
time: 11:15
